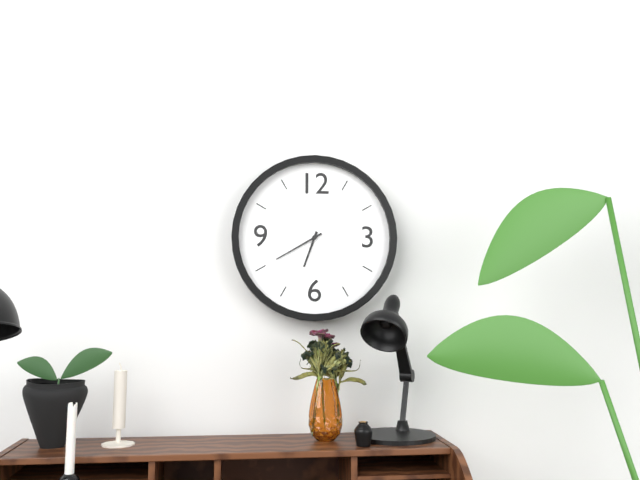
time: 6:40
